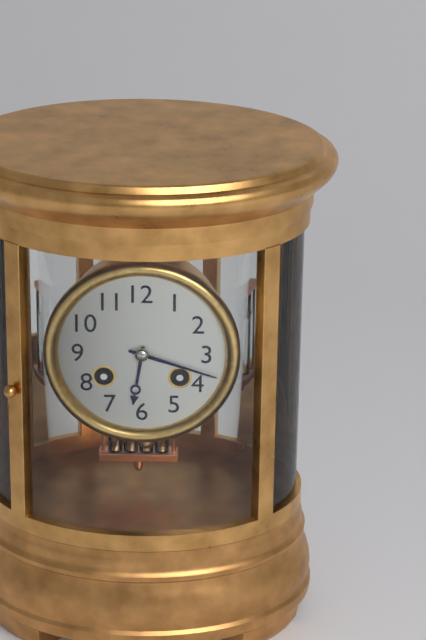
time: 6:18
